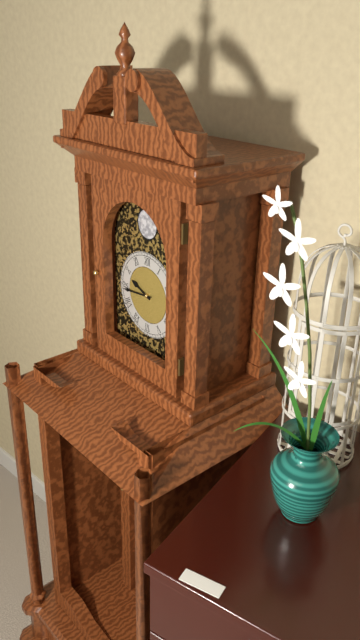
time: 9:44
